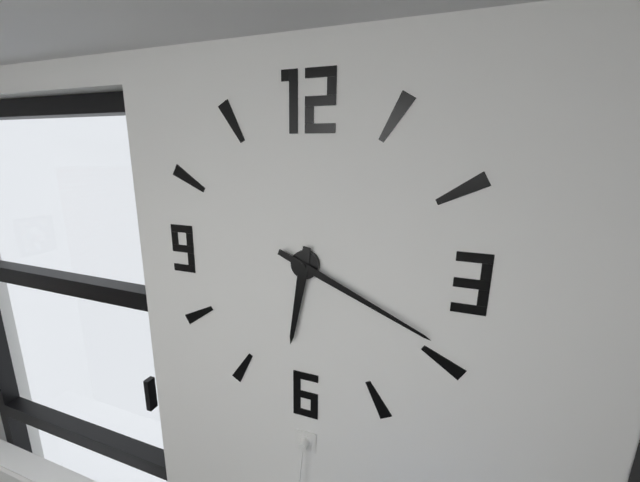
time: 6:19
